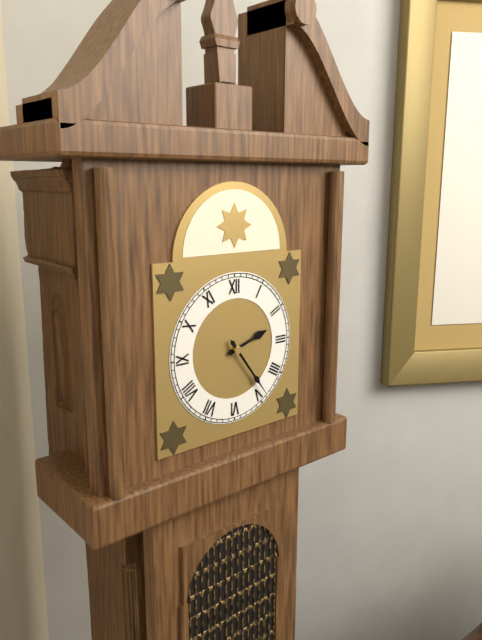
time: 2:24
